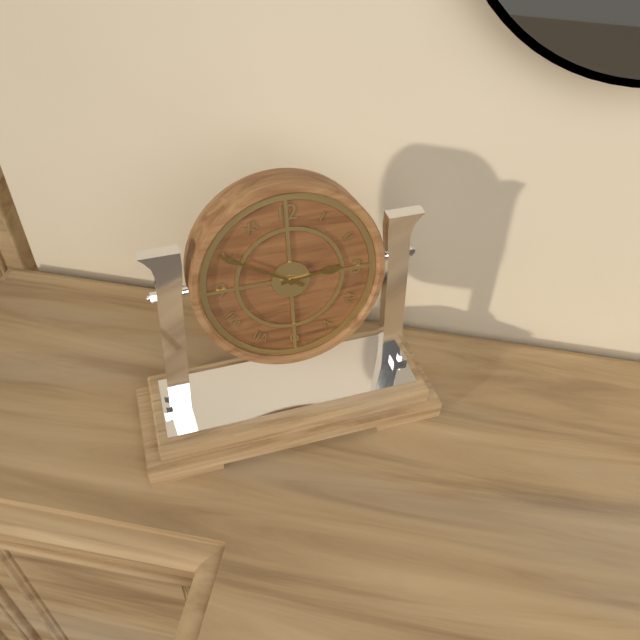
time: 2:50
